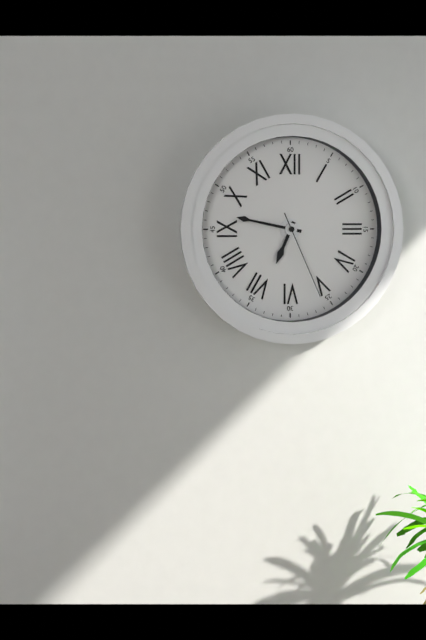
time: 6:47:26
